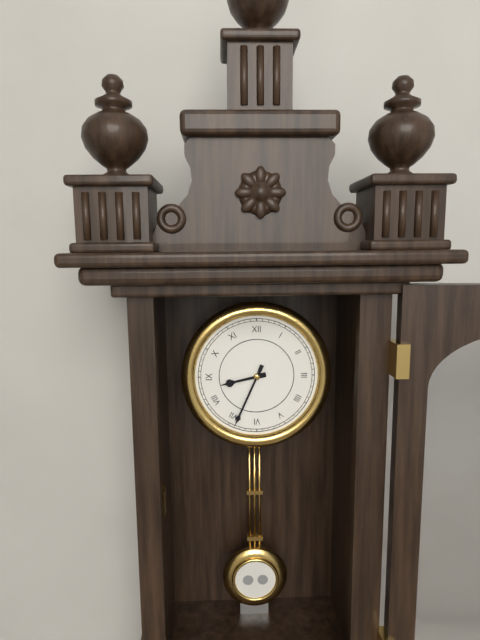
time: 8:34
